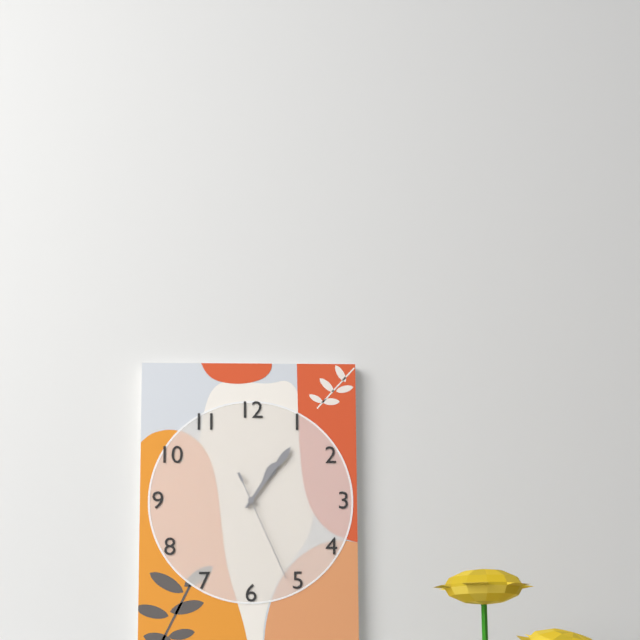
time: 1:06:26
